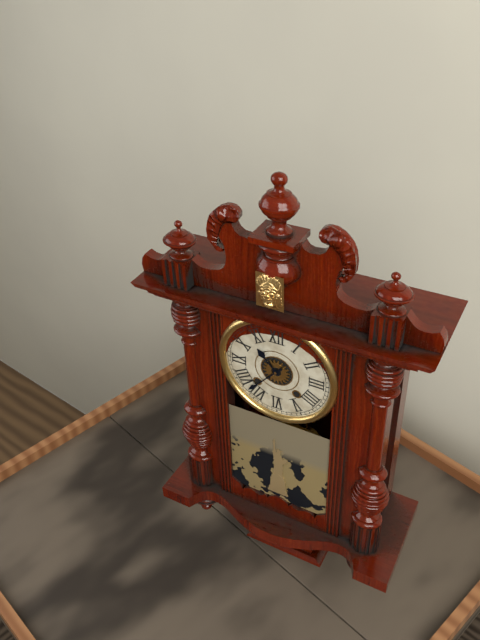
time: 10:37
